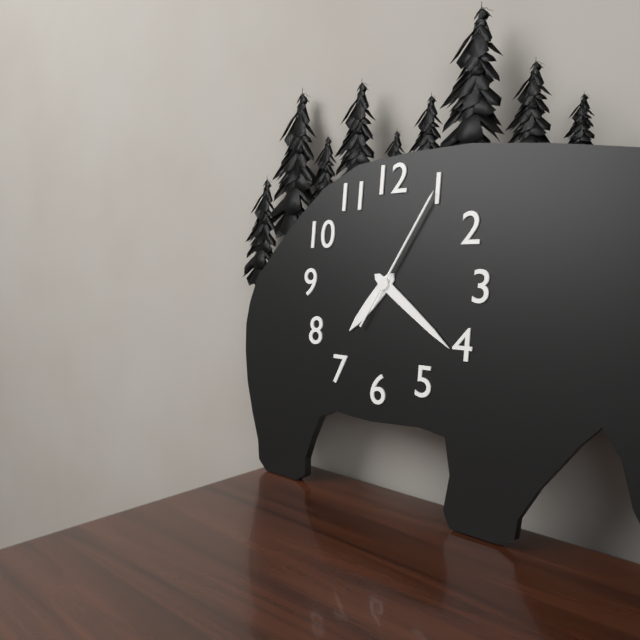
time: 7:21:05
